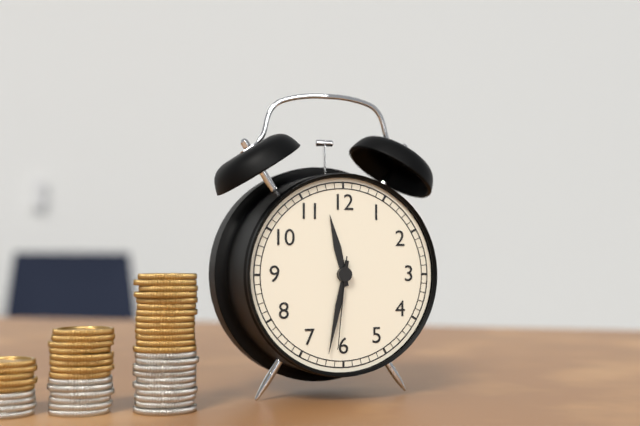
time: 11:32:31
